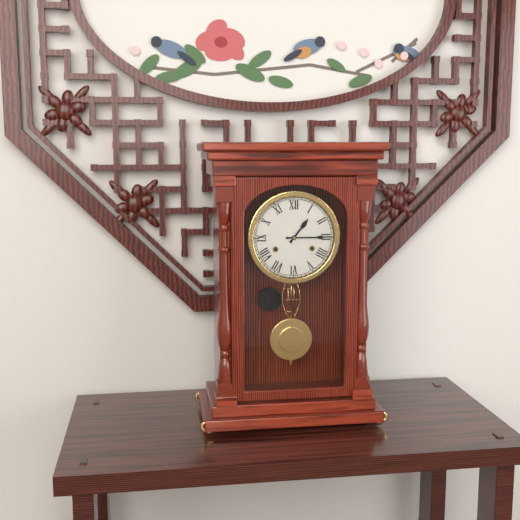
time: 1:15
